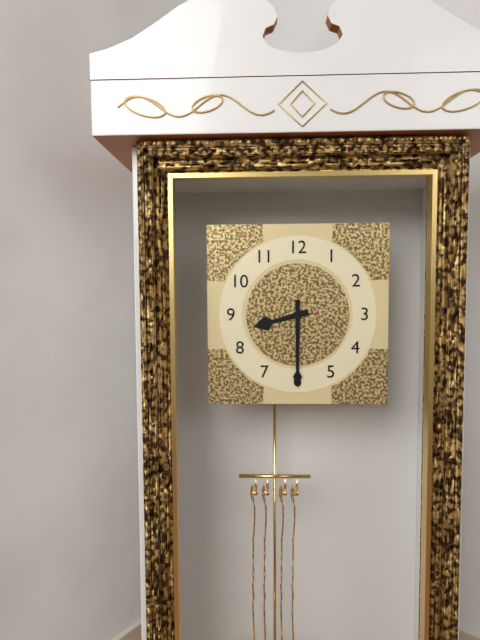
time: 8:30
